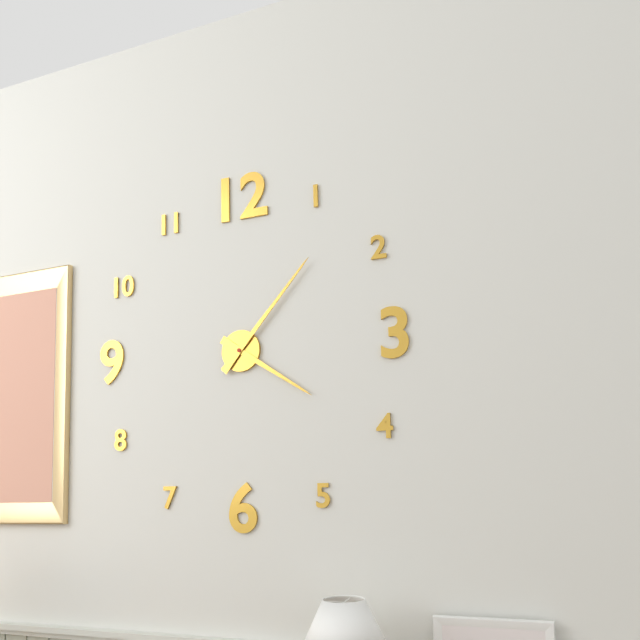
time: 4:07
